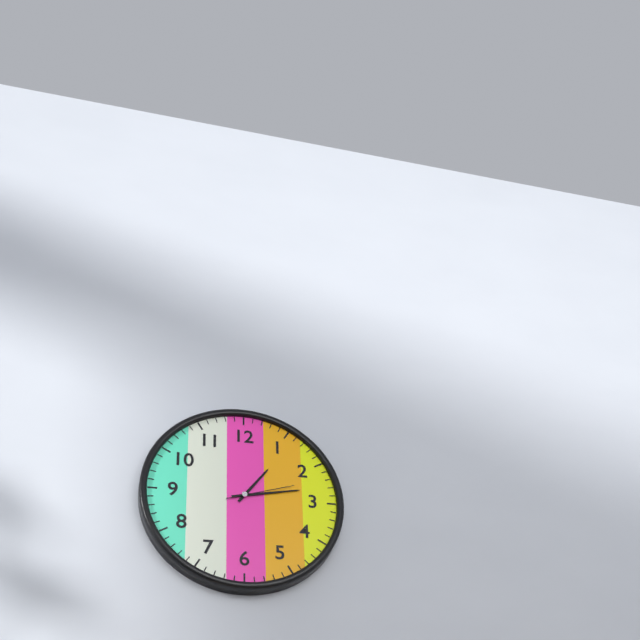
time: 1:13:12
